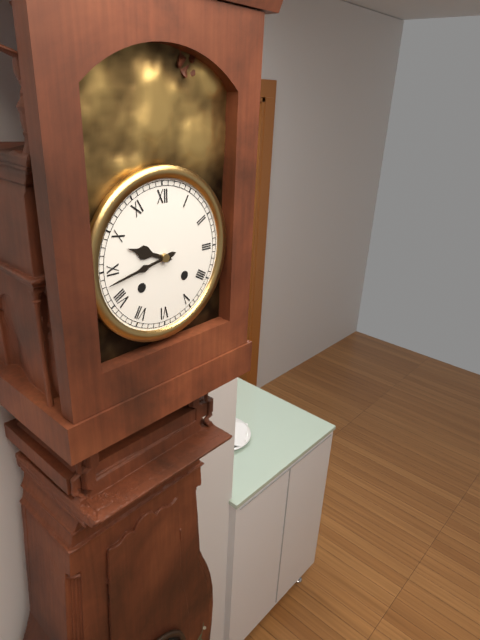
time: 9:43
